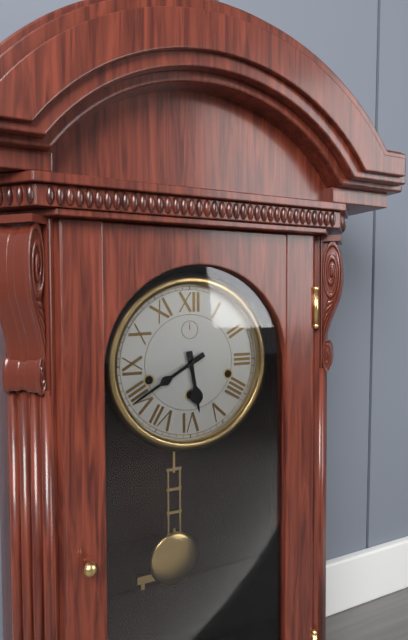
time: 5:40
